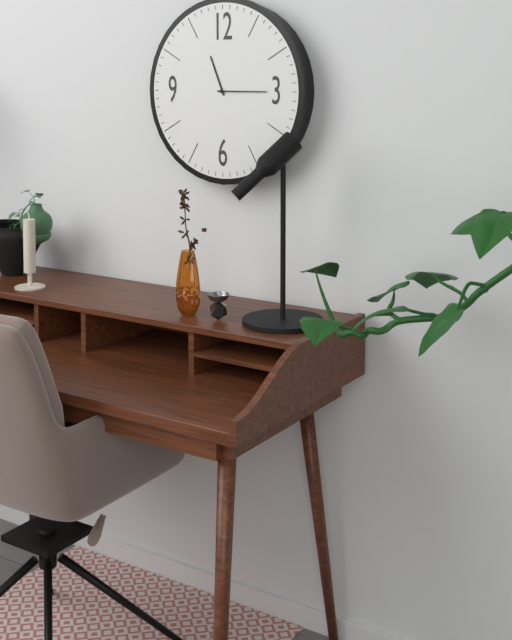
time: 11:15
